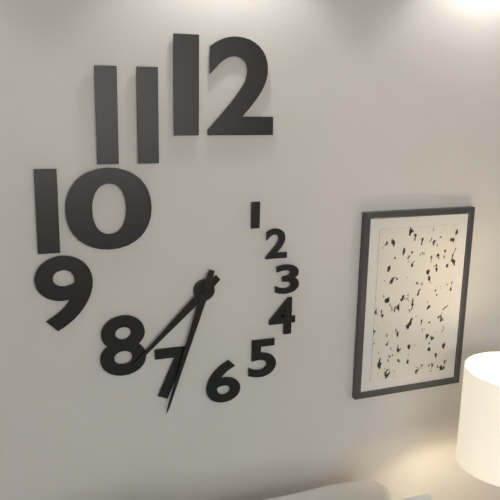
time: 7:33
